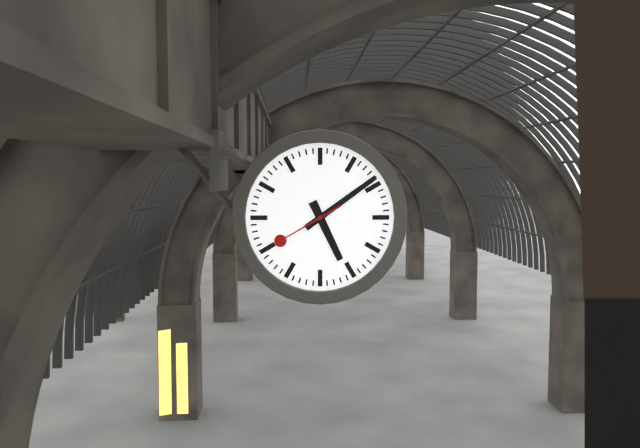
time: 5:09:40
